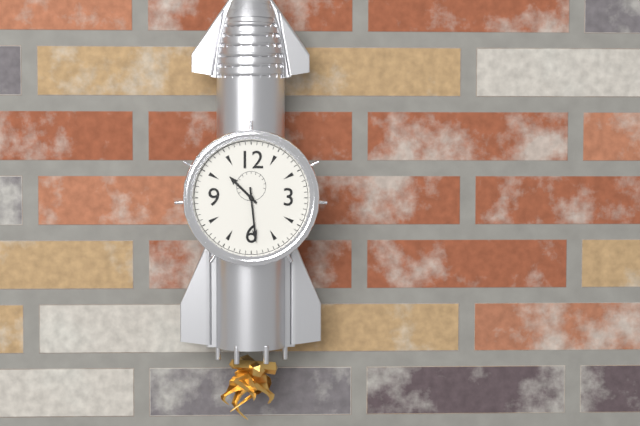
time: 10:29
